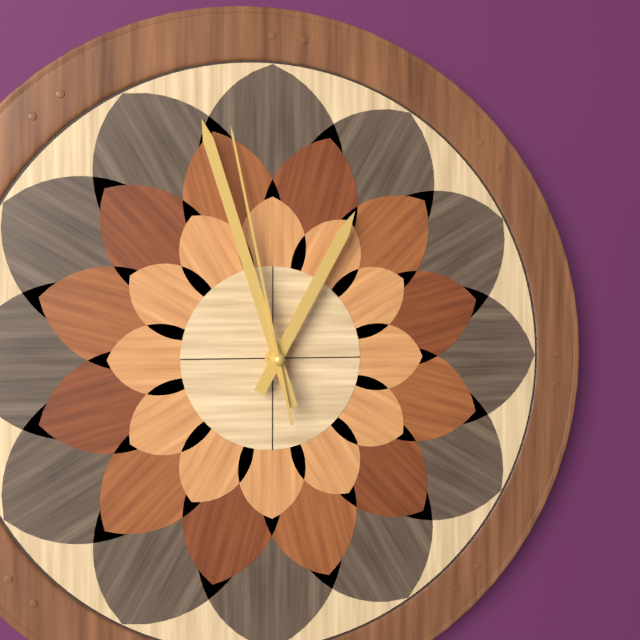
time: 12:57:58
